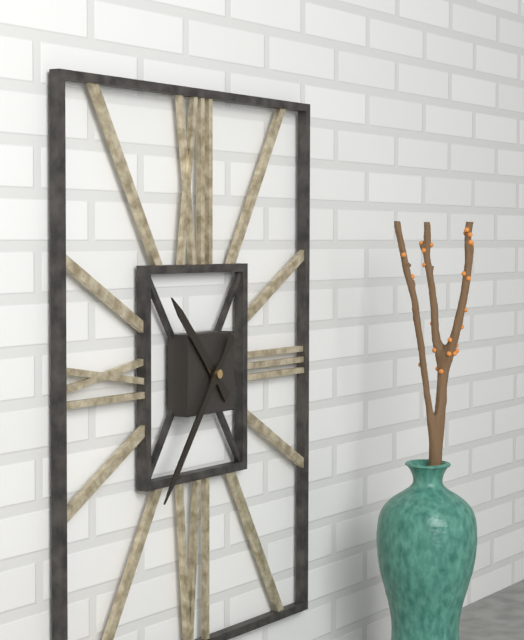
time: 10:36
